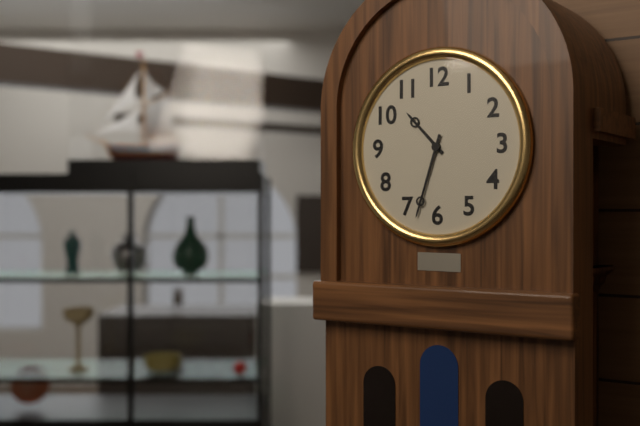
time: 10:33
